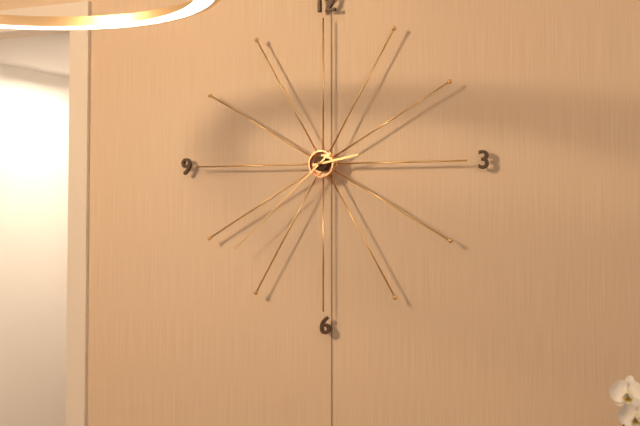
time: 2:38
